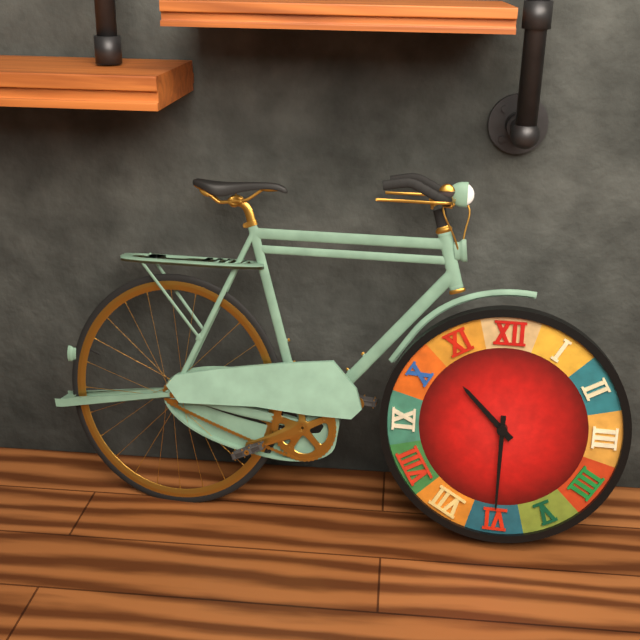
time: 10:30
